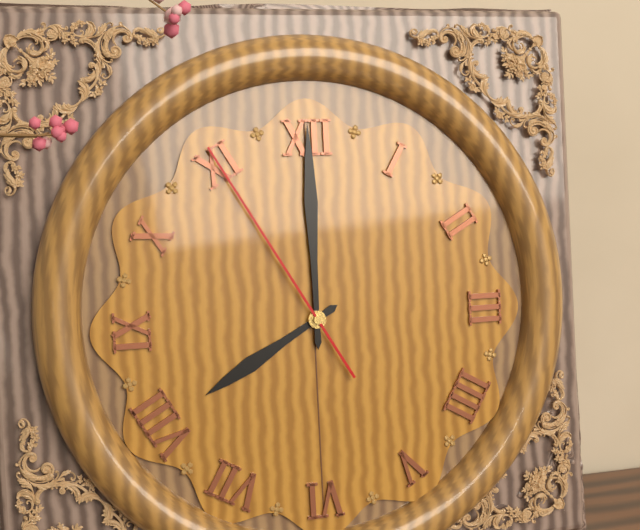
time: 8:00:55
